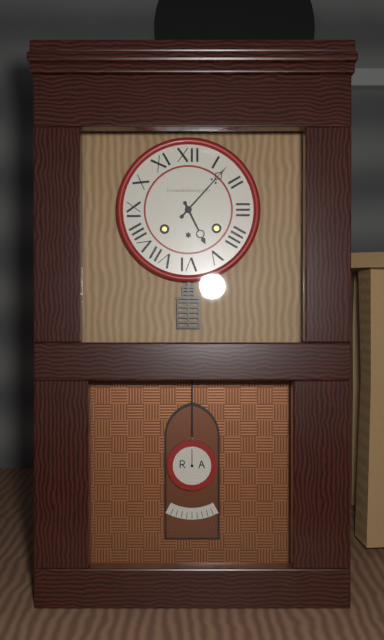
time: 5:07
